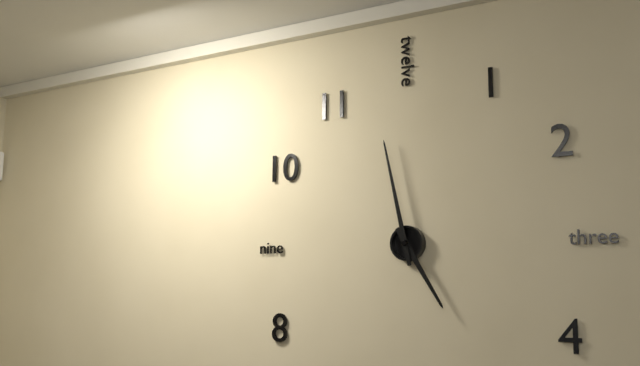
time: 4:58
